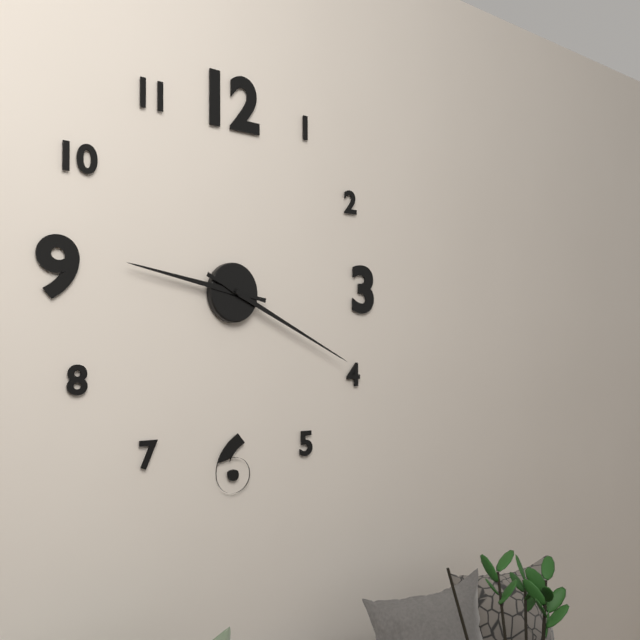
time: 9:19
